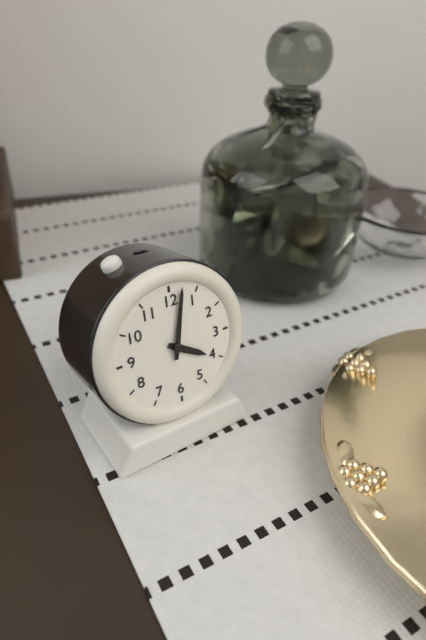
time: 4:02
